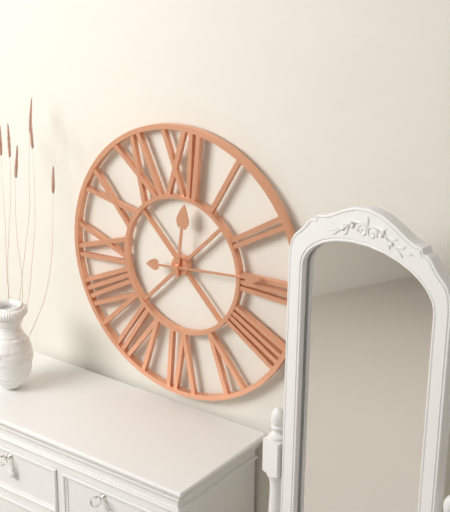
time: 12:14
